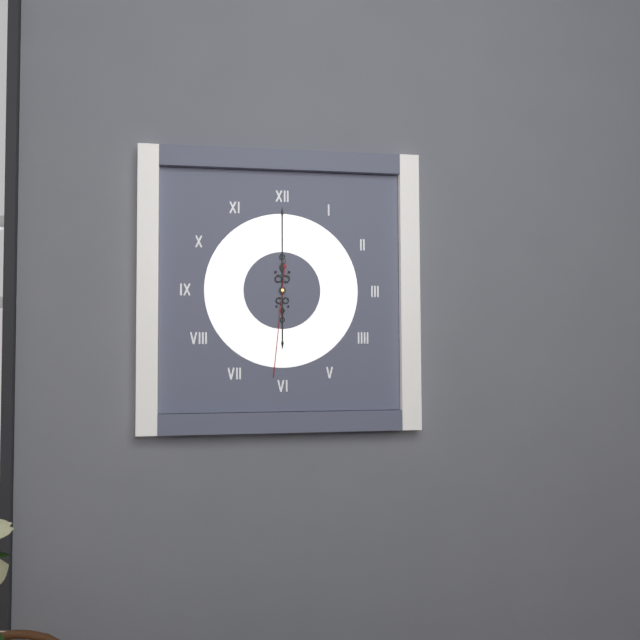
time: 6:00:31
